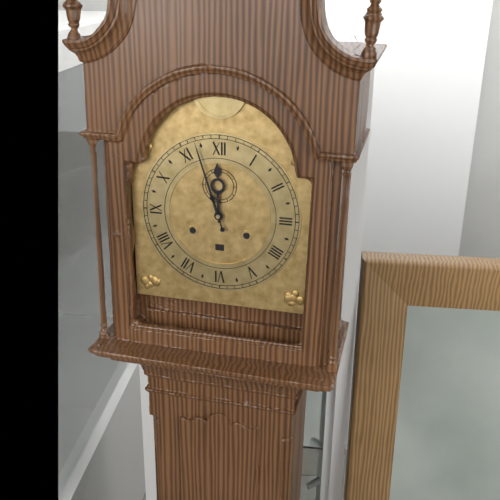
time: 11:57
